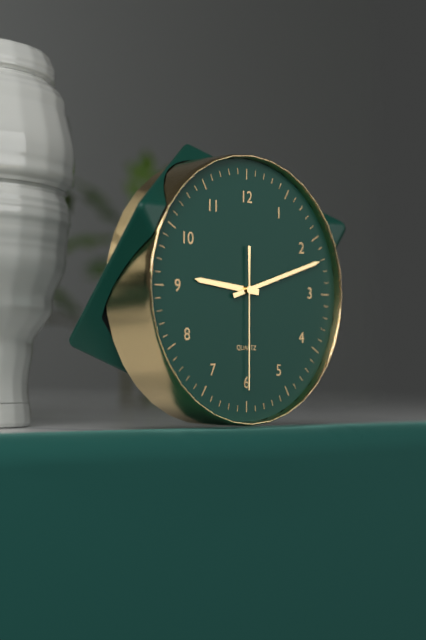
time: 9:12:30
